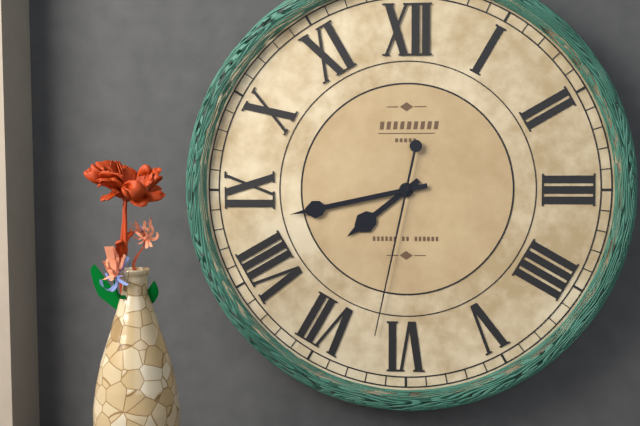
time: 7:43:32
